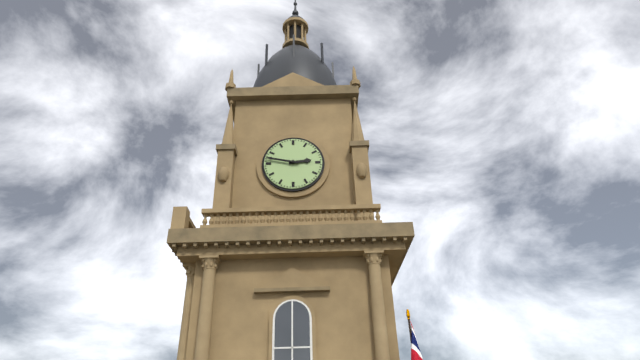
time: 2:47
